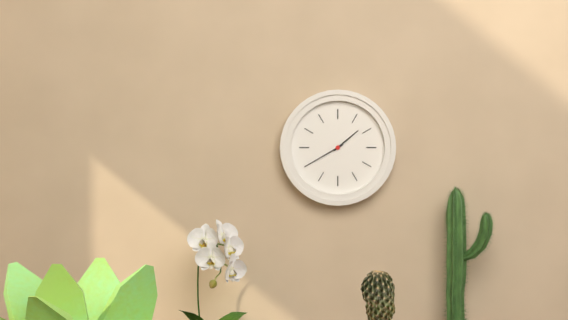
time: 1:40
